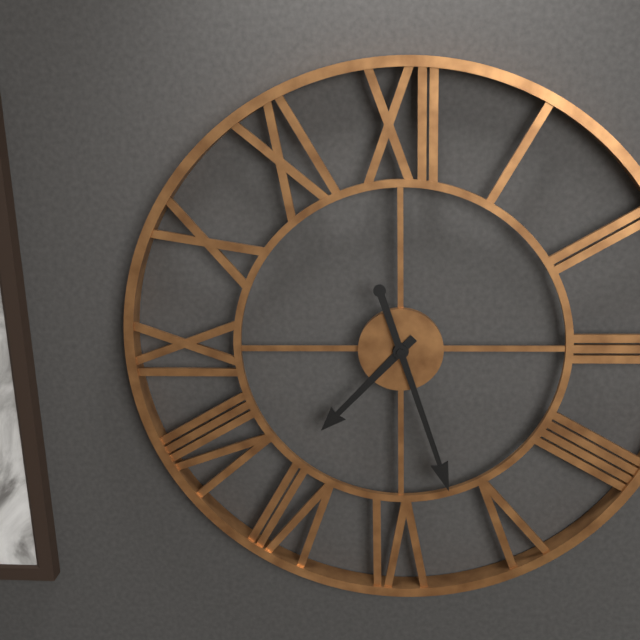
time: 7:27
